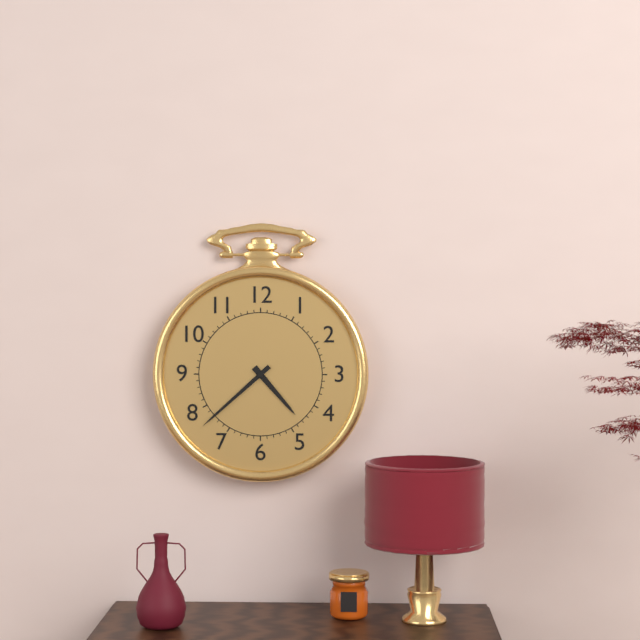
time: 4:38
